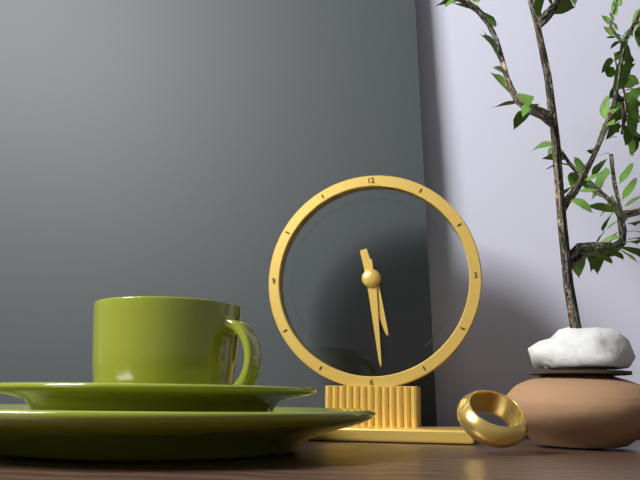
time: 5:29
